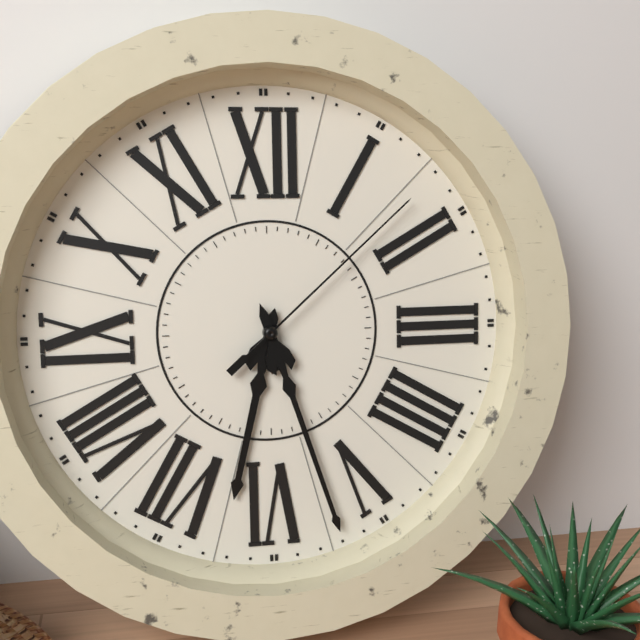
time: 6:27:08
